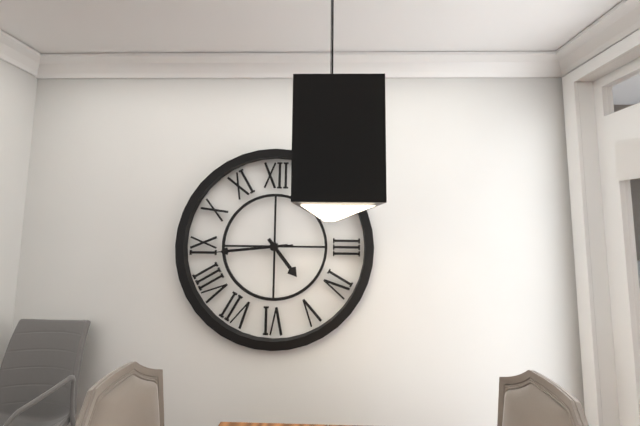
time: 4:44:44
